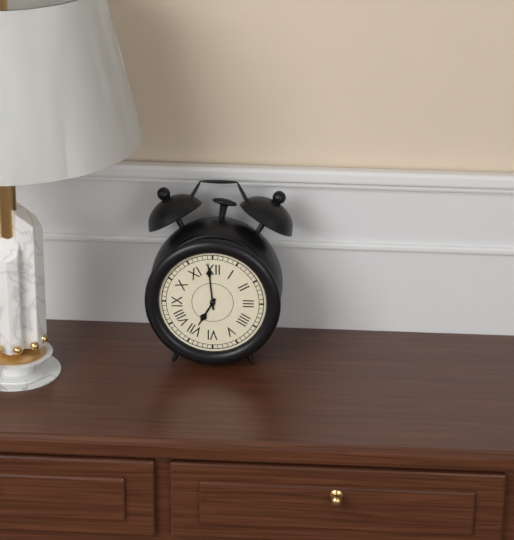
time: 6:59
